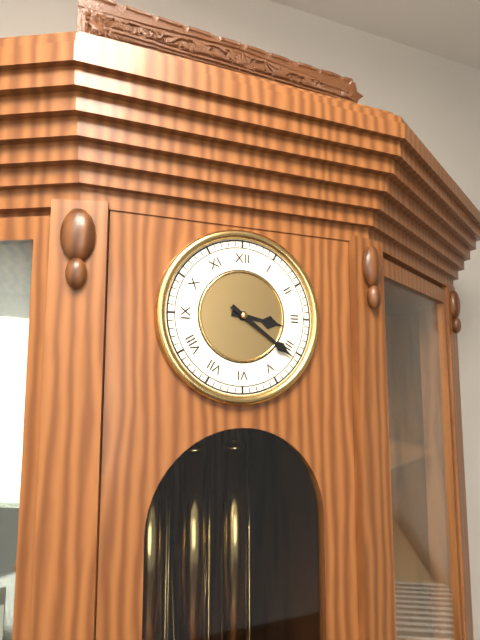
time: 3:21
